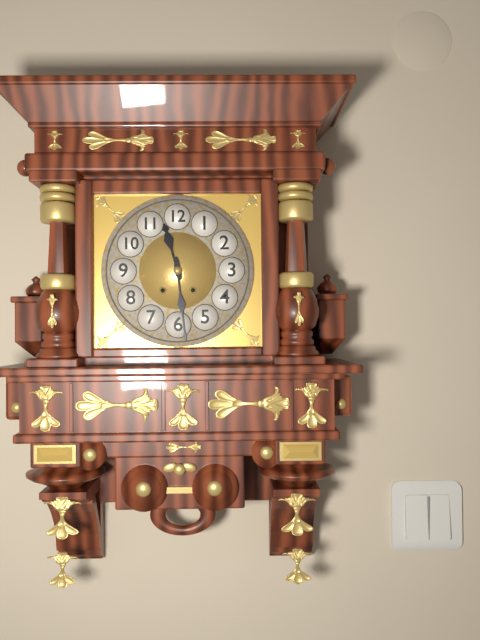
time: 11:29
